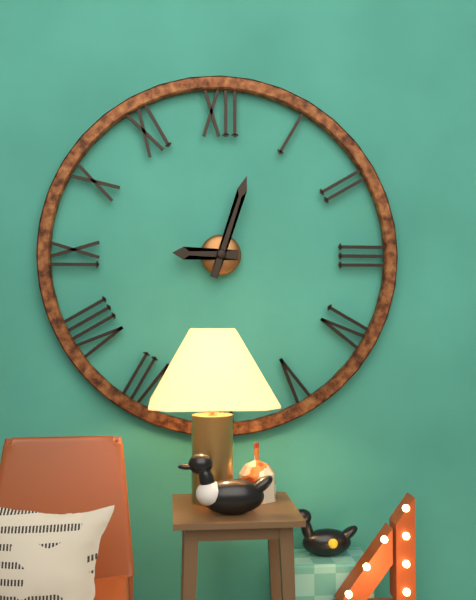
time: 9:03
